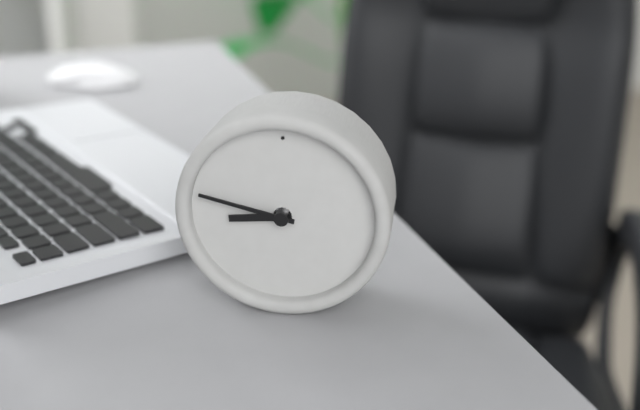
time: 8:47
